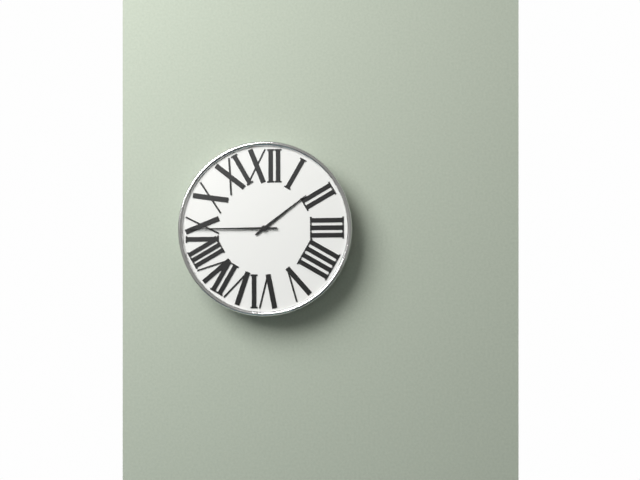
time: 1:45
